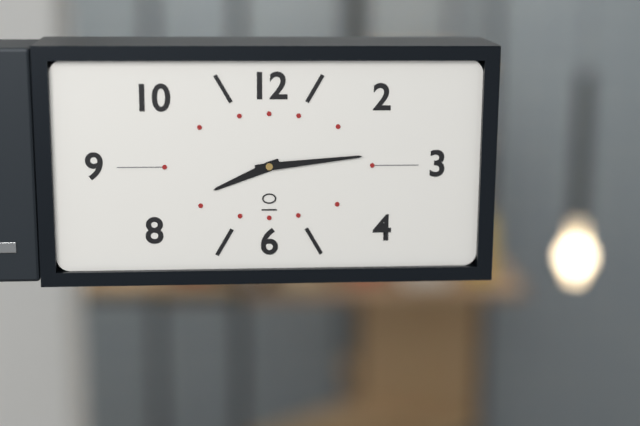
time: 8:14
